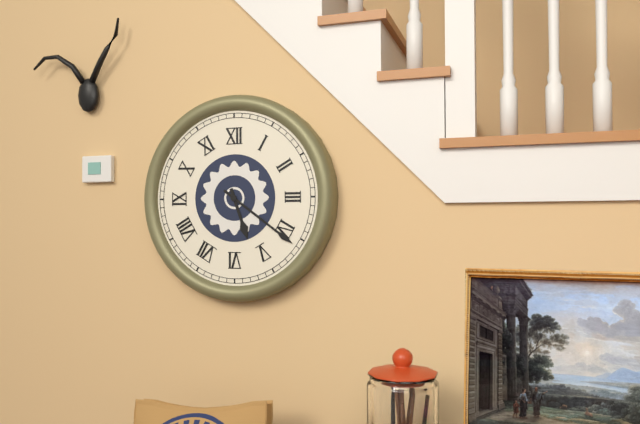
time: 5:21
